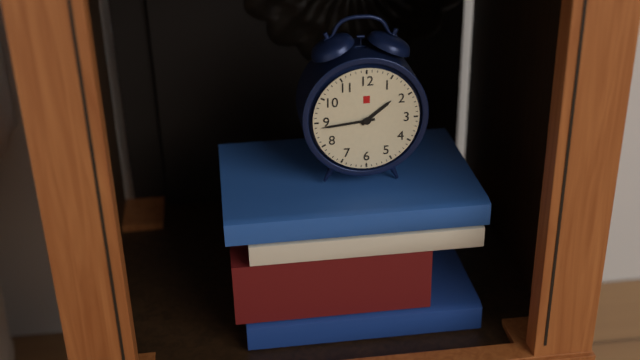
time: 1:44
